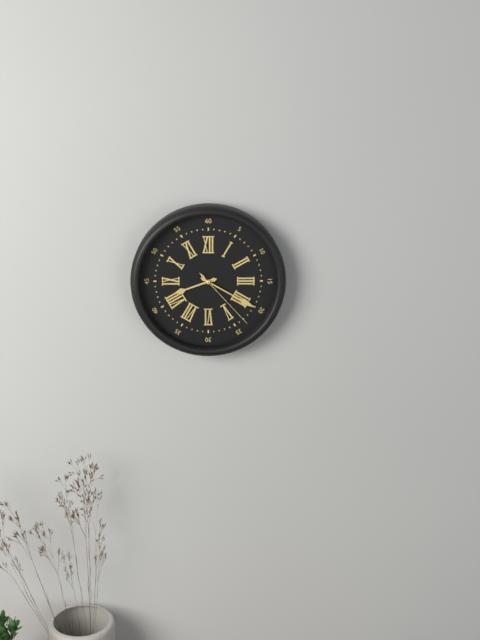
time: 8:20:23
